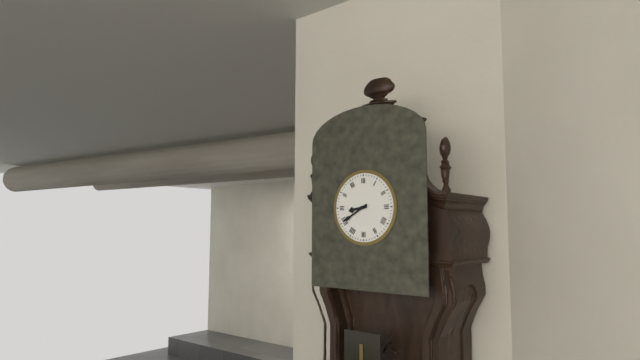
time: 8:40
